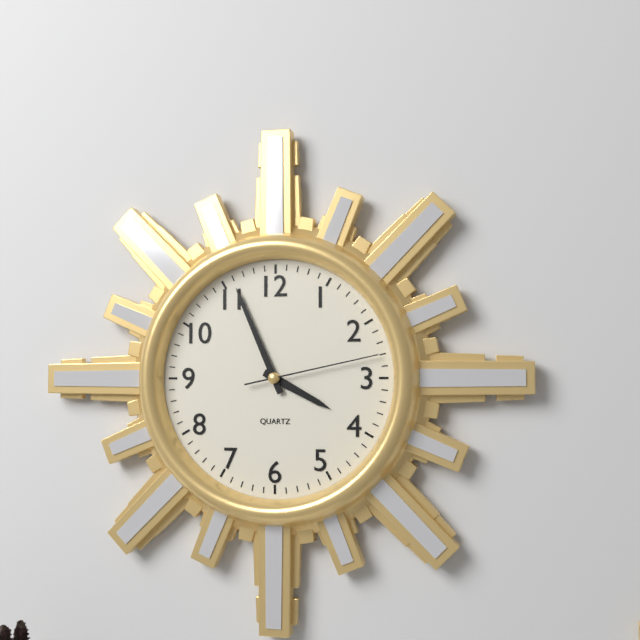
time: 3:56:13
